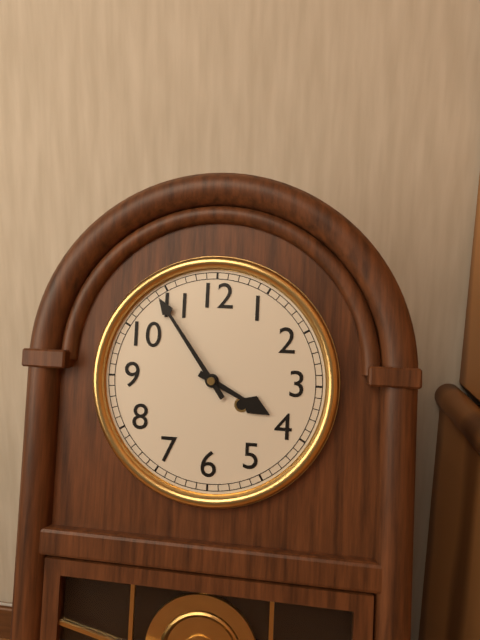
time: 3:54
